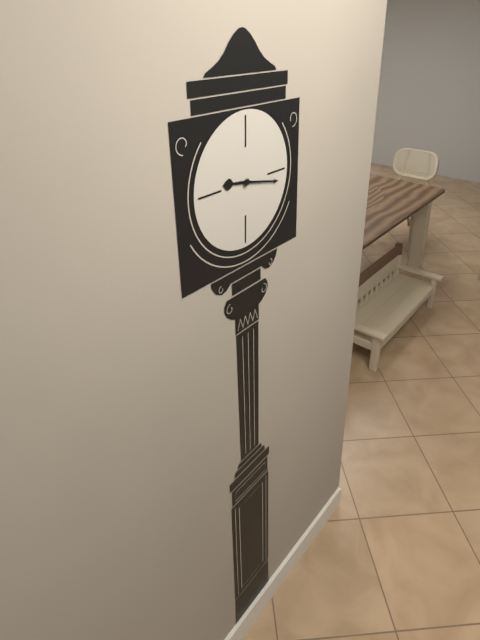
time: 9:17
